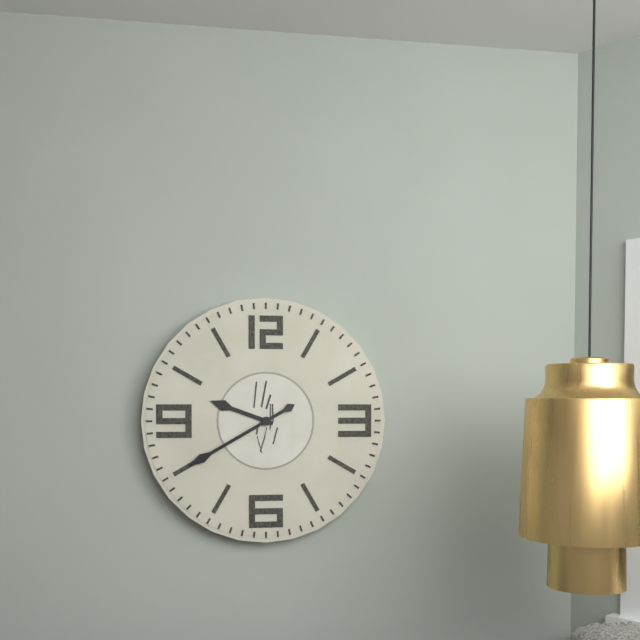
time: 9:40
